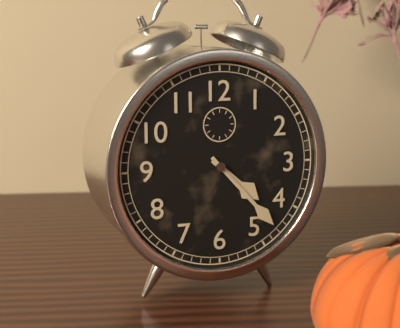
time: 4:23
